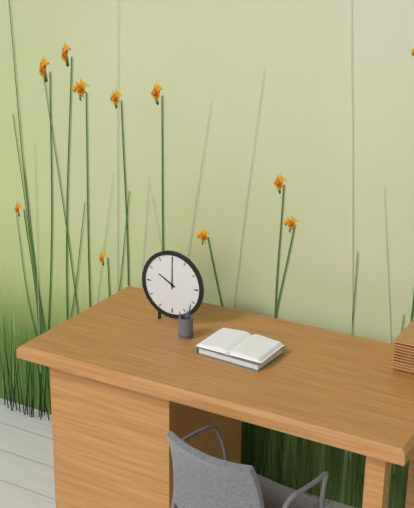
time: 10:00
